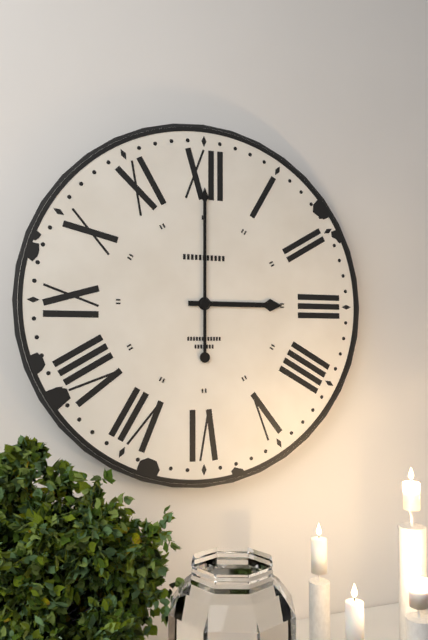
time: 3:00
